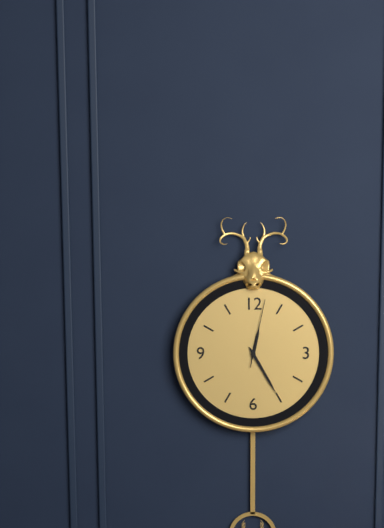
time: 12:25:02
